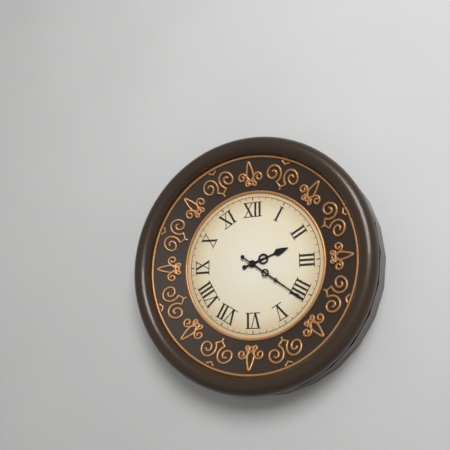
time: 2:21
